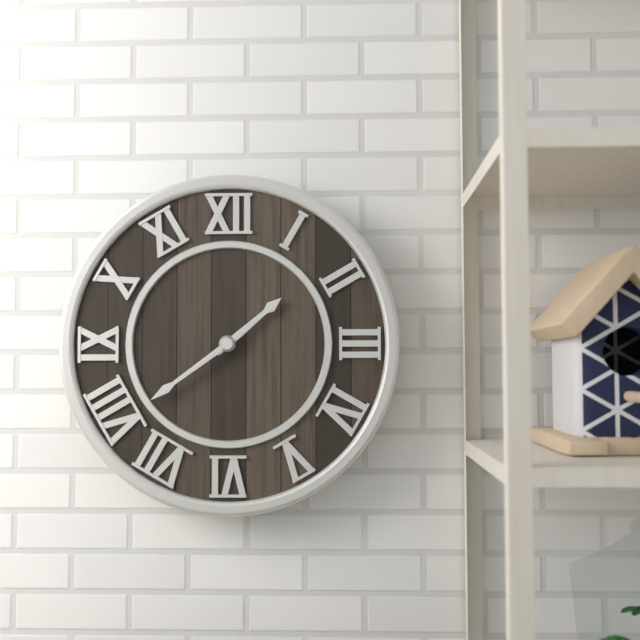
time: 1:39
